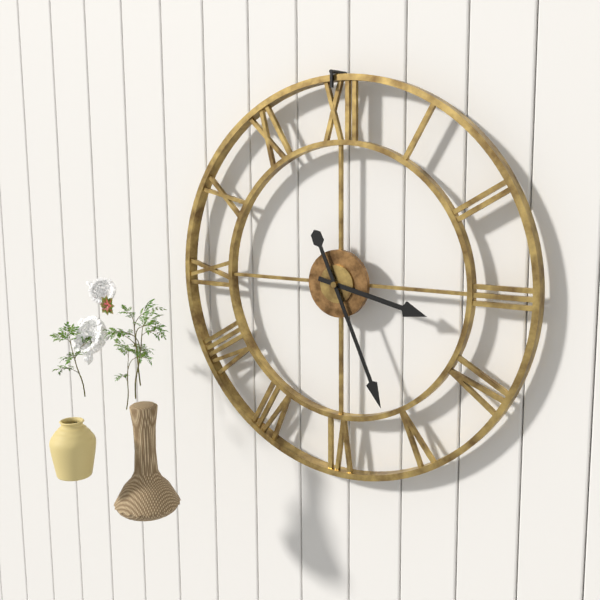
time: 3:26
